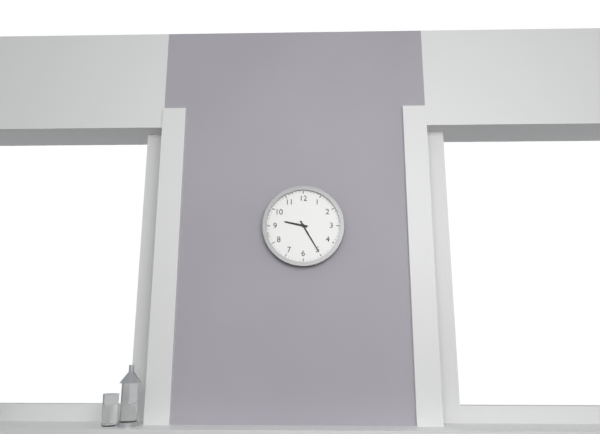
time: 9:25
